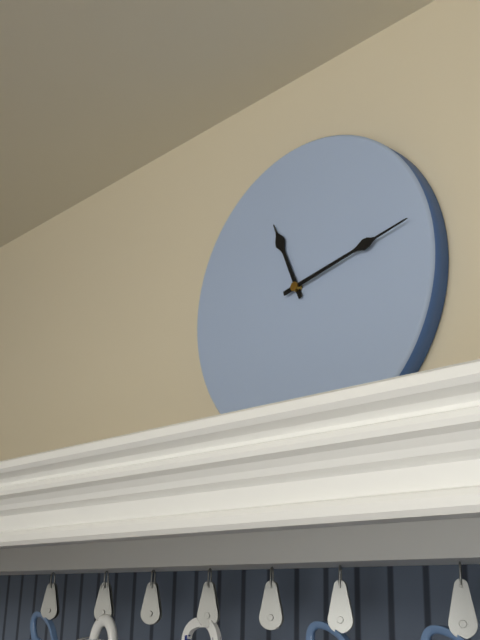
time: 11:13
